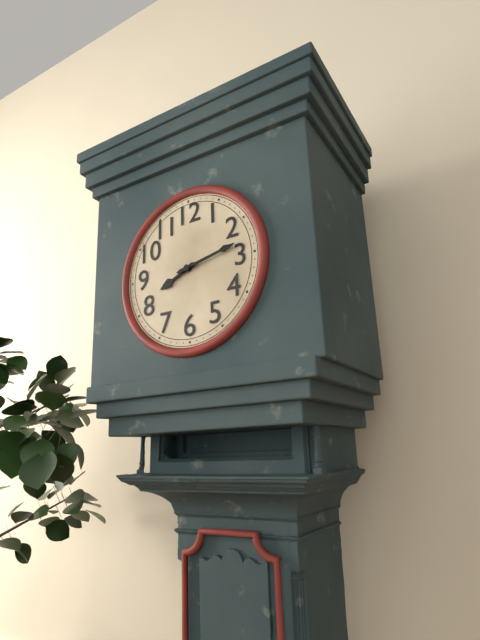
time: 8:13
